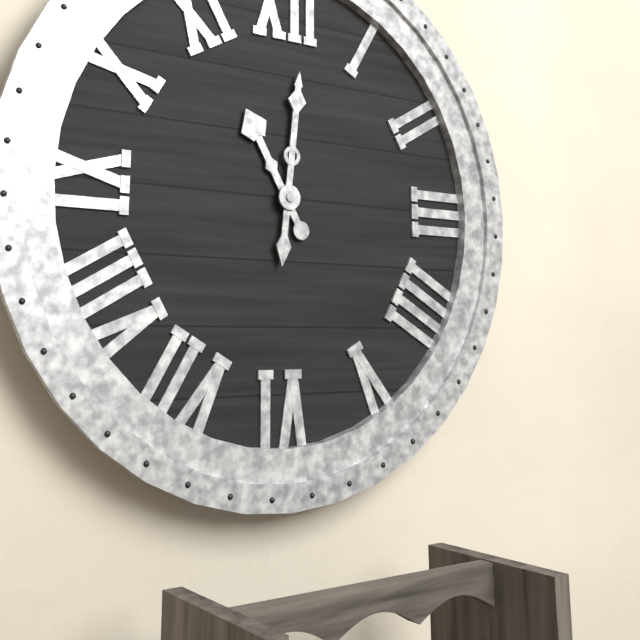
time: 11:01
